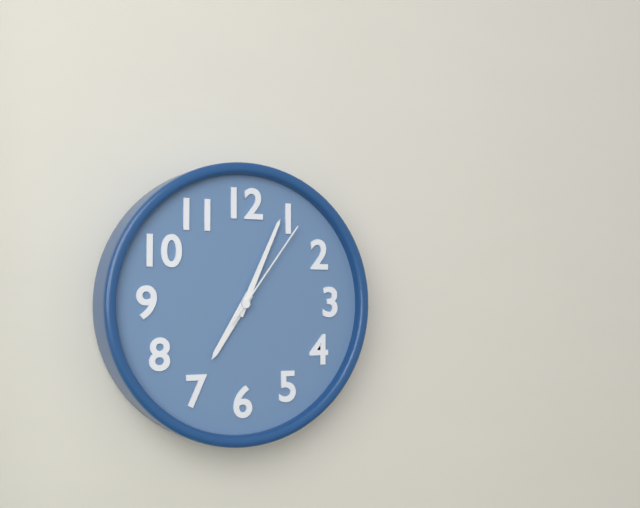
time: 7:04:06
